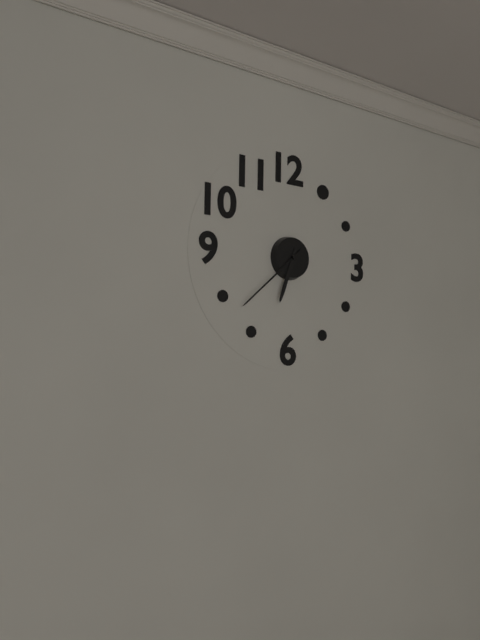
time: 6:38
